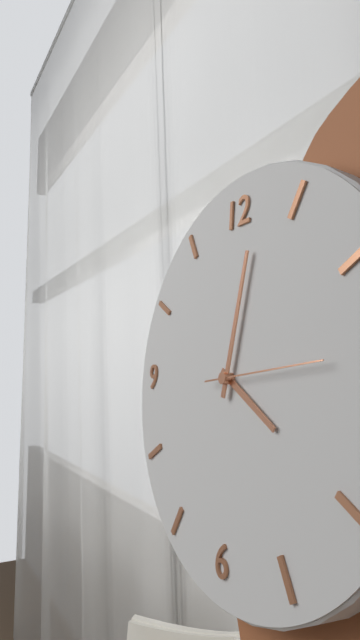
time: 4:02:14
